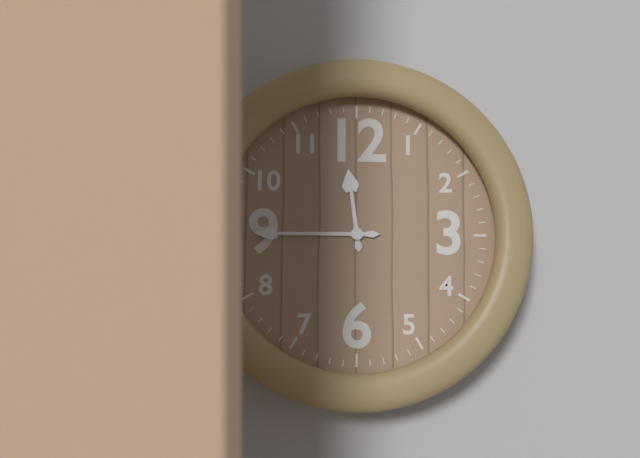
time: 11:45
